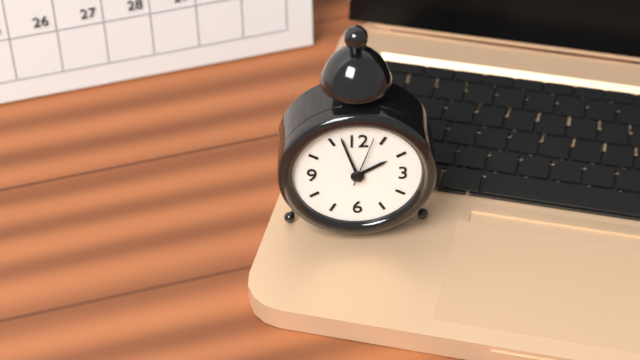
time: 1:57
